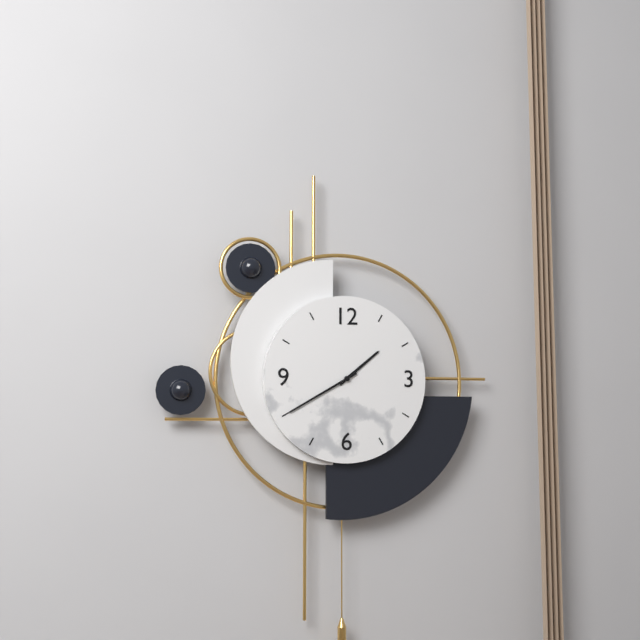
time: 1:40
